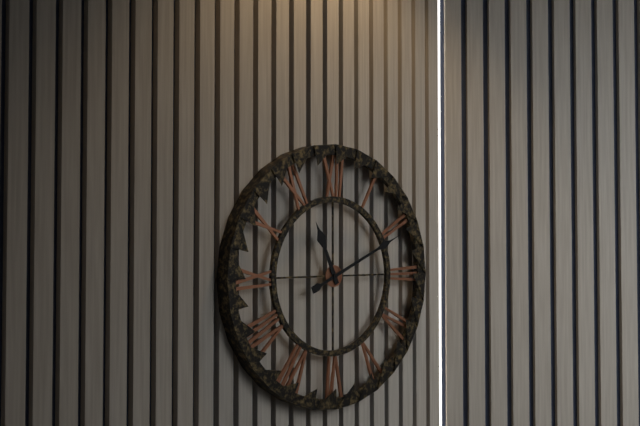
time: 11:11
